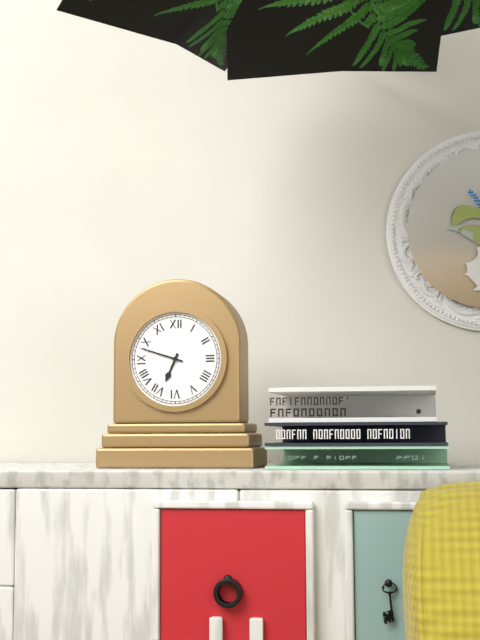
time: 6:48
